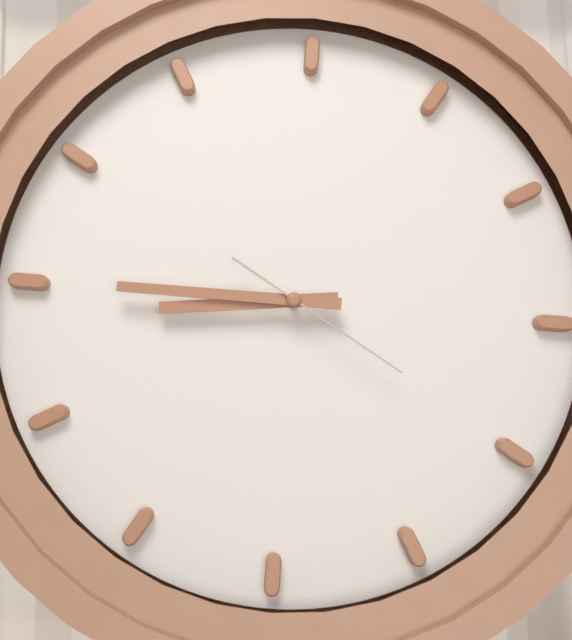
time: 8:45:20
